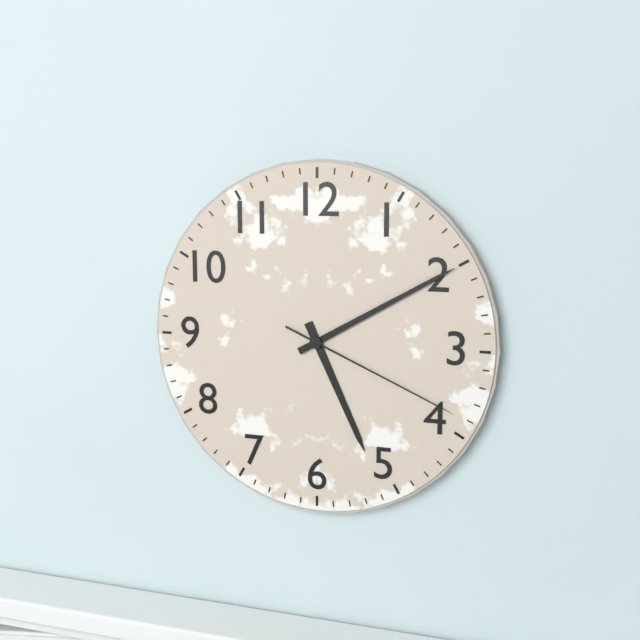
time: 5:10:19
